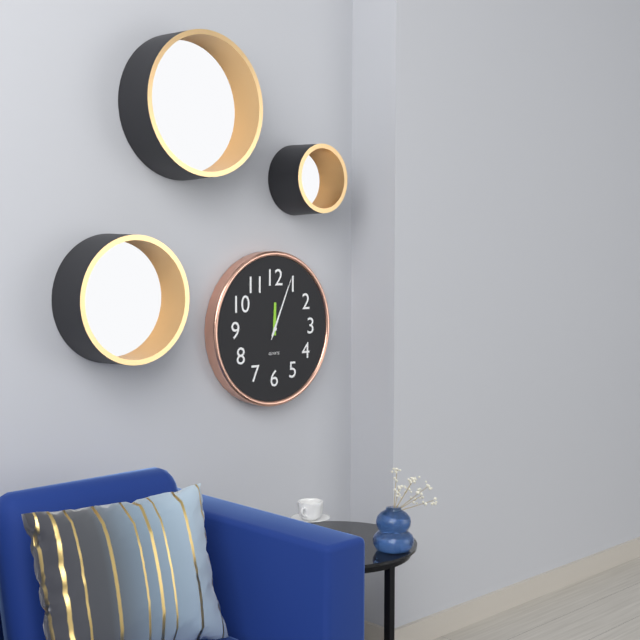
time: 12:04:04
